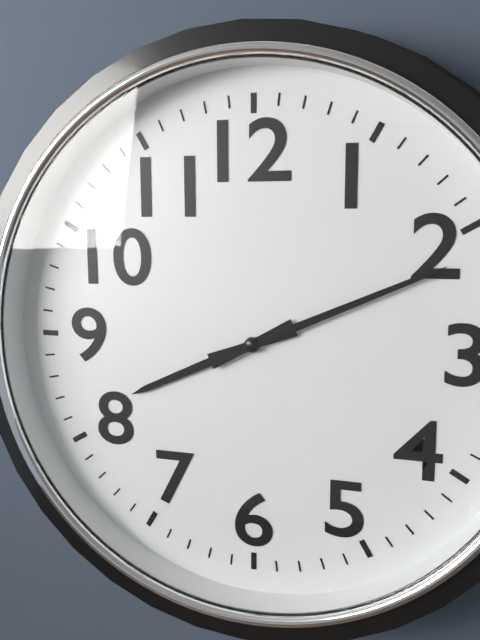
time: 8:11
